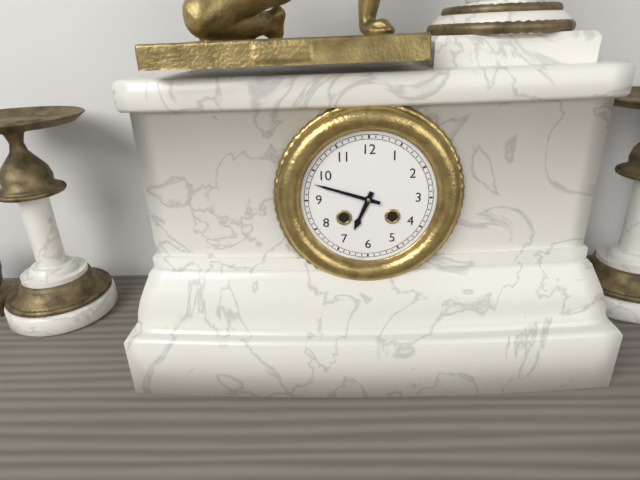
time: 6:48
